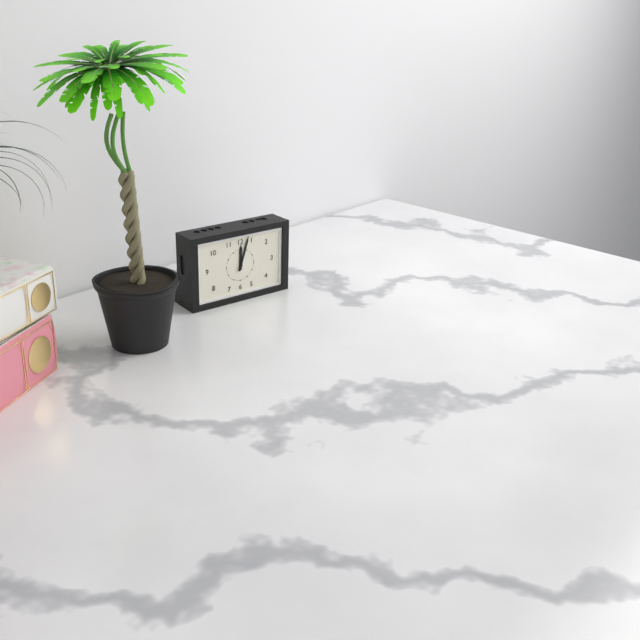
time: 12:03
